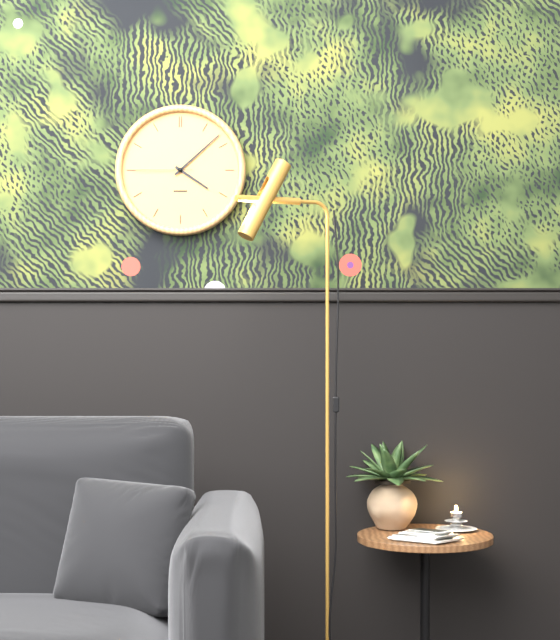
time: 4:08:45
